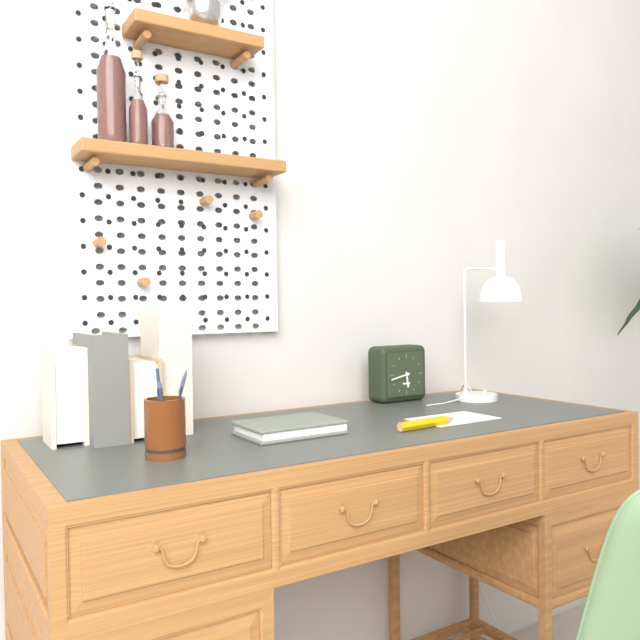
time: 5:43
